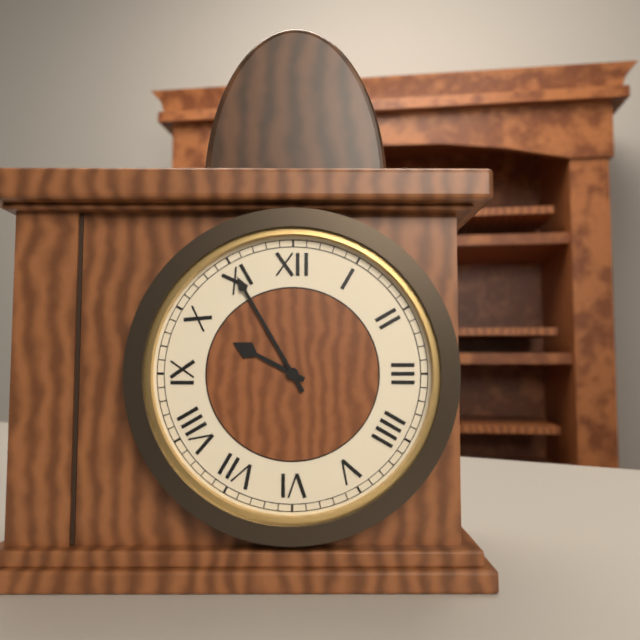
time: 9:55
